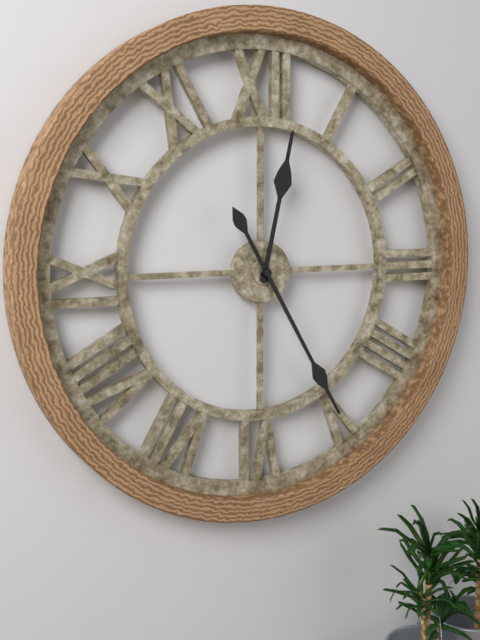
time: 12:25
